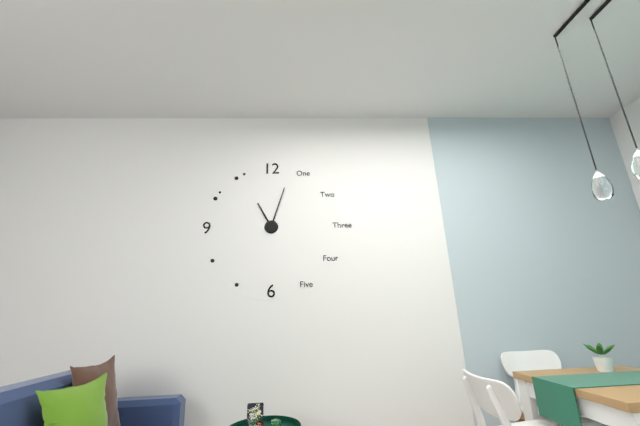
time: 11:03
